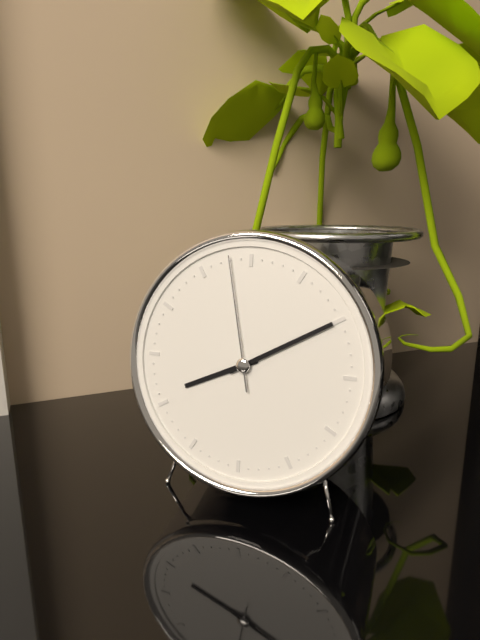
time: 8:10:58
